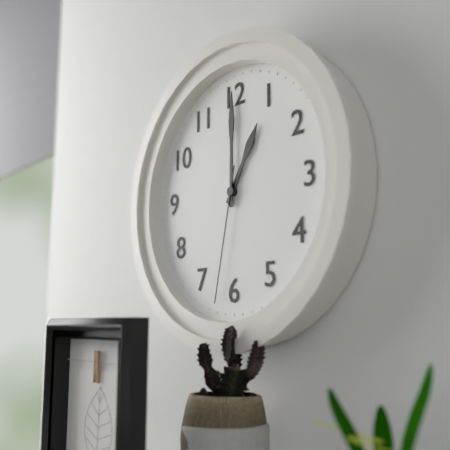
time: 1:00:32
